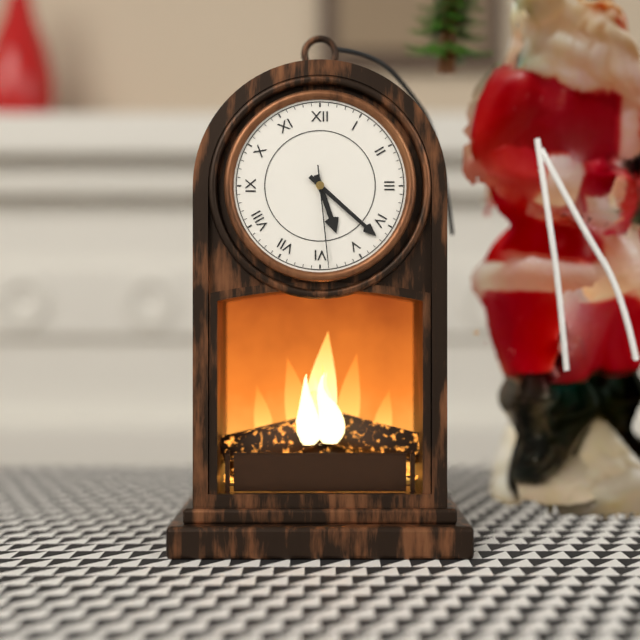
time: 5:22:29
